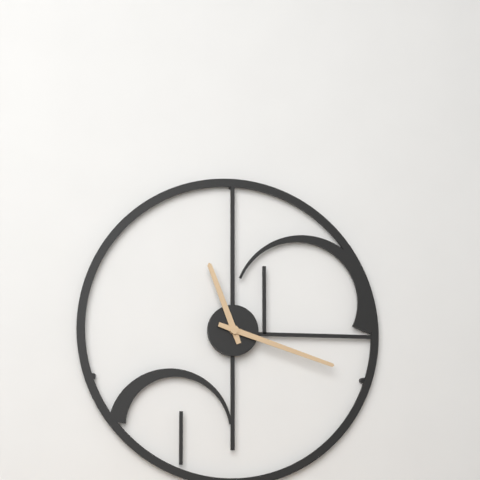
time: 11:18
